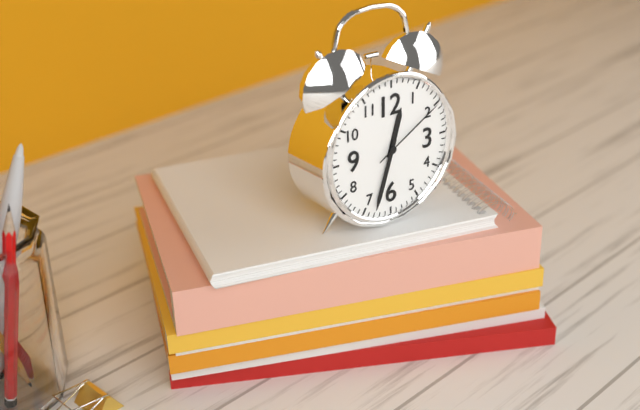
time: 12:33:10
